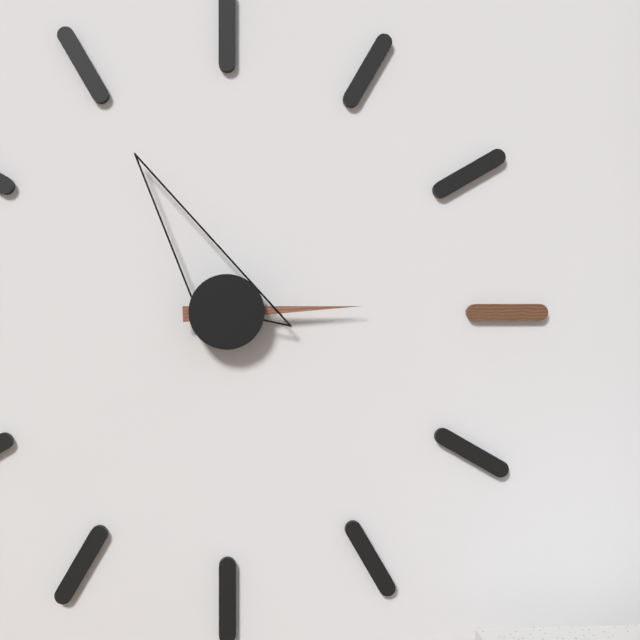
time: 2:55
